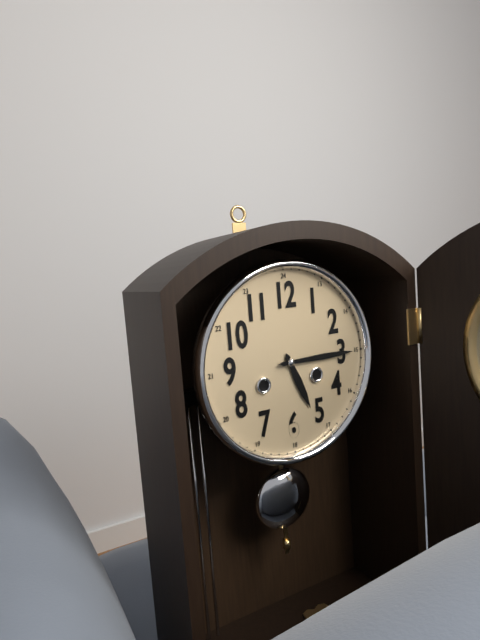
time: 5:15
